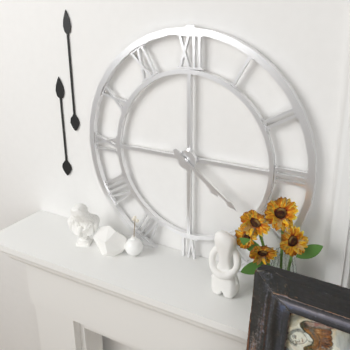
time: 4:21
